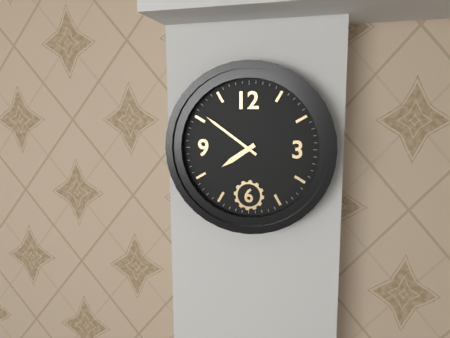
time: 7:51
